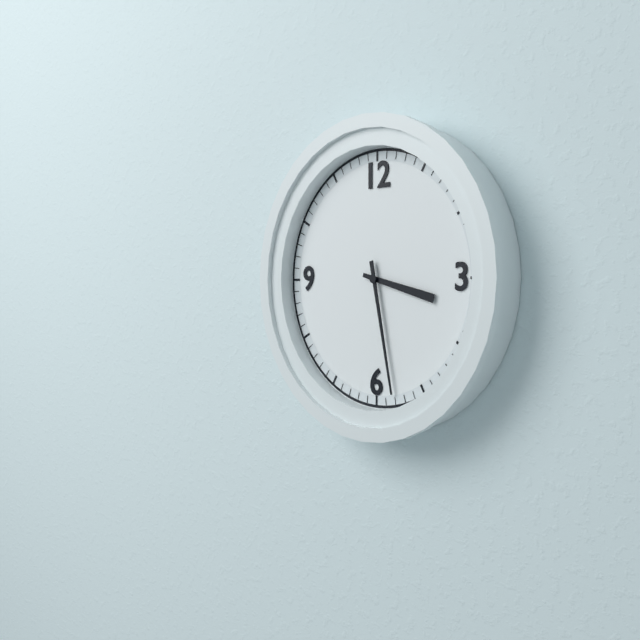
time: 3:28
